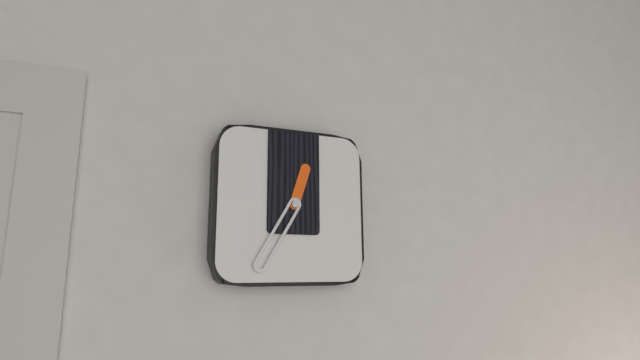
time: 12:35
